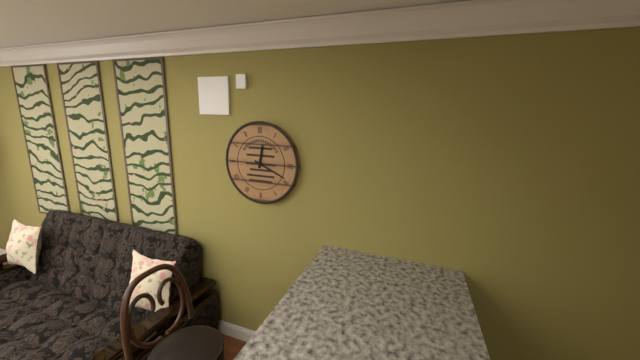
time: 12:19
